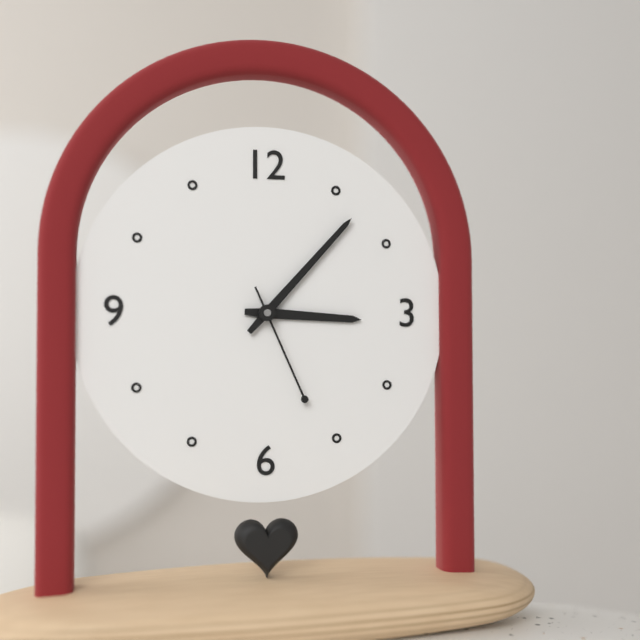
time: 3:07:26
